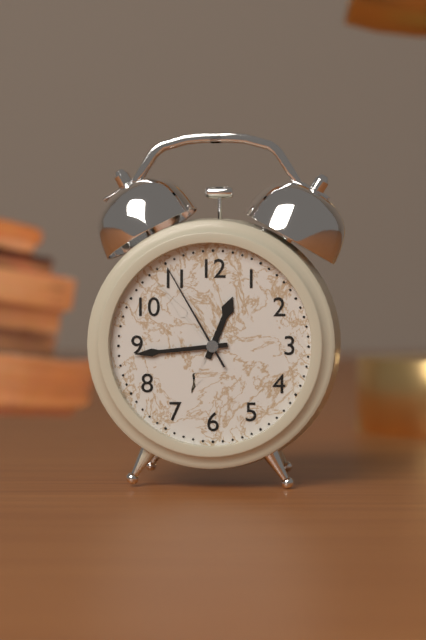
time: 12:44:55
